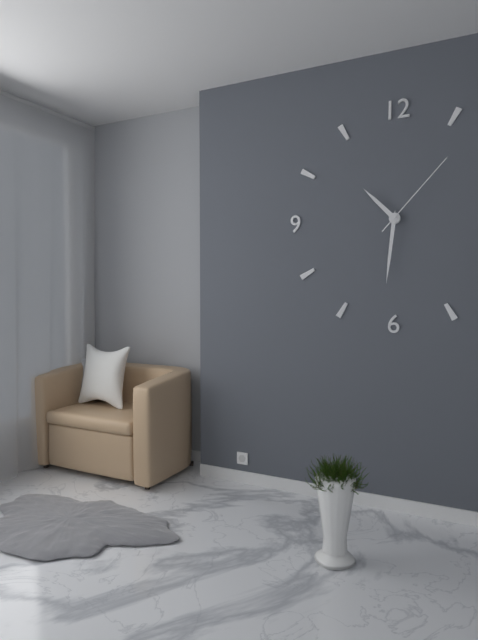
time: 10:31:07
